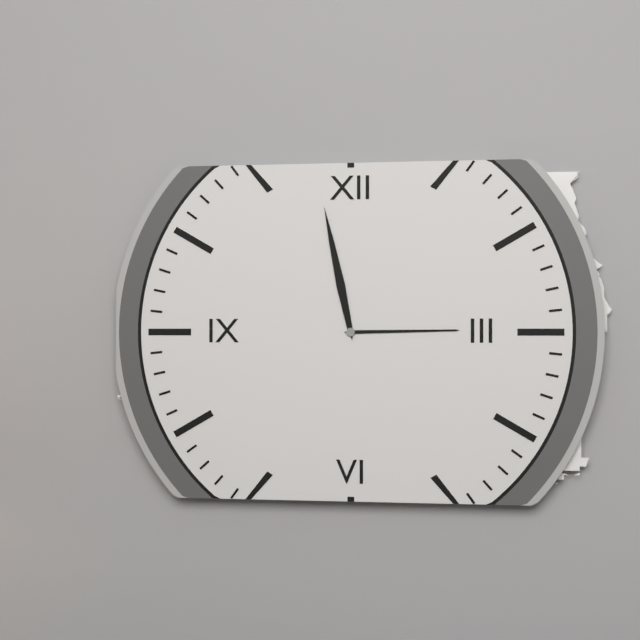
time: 2:58
